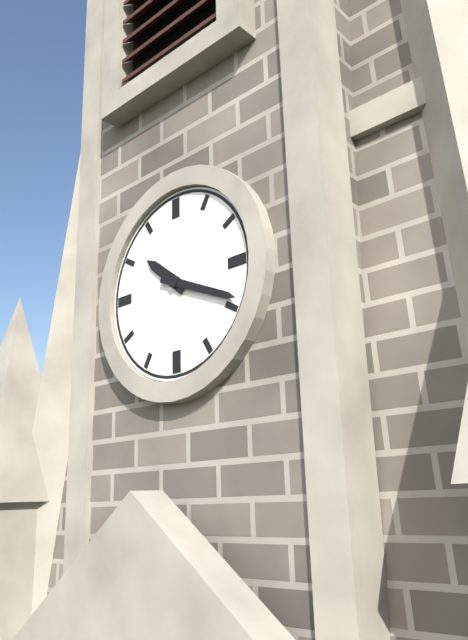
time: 10:19
